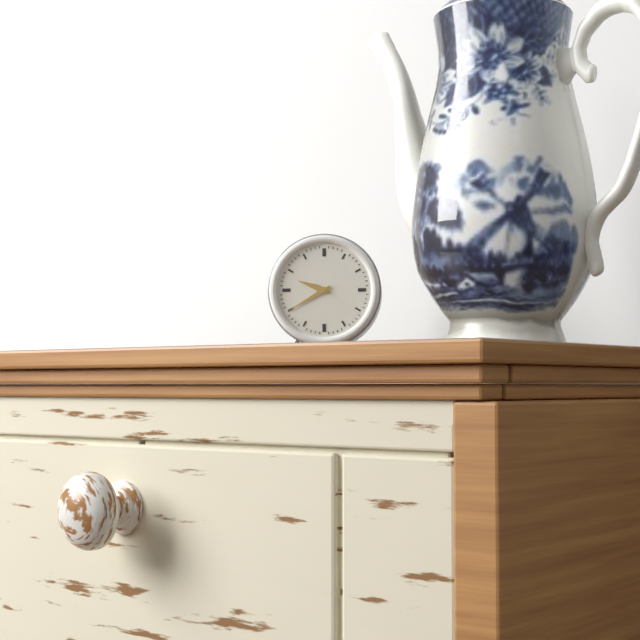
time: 9:40
